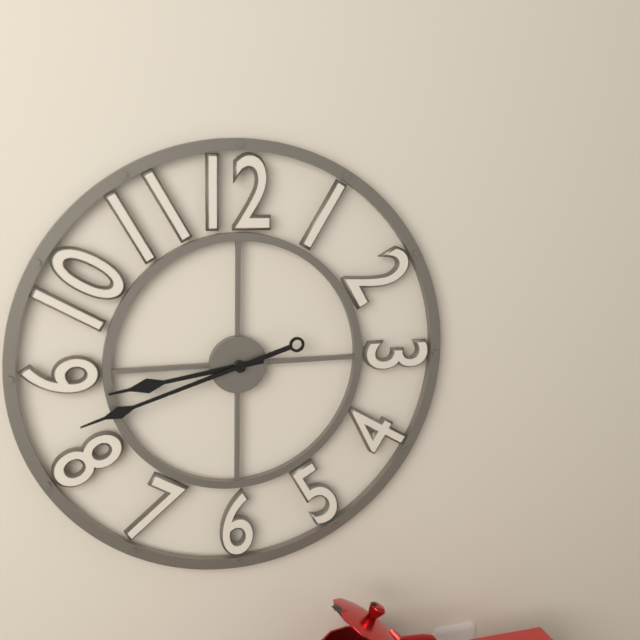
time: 8:42
